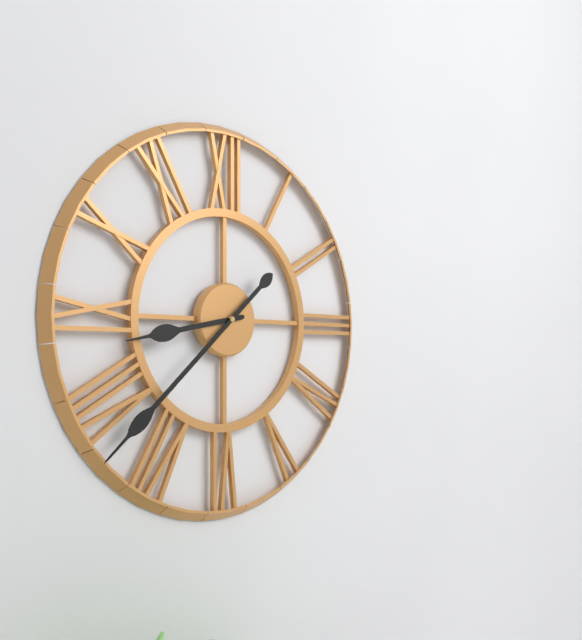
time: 8:38
